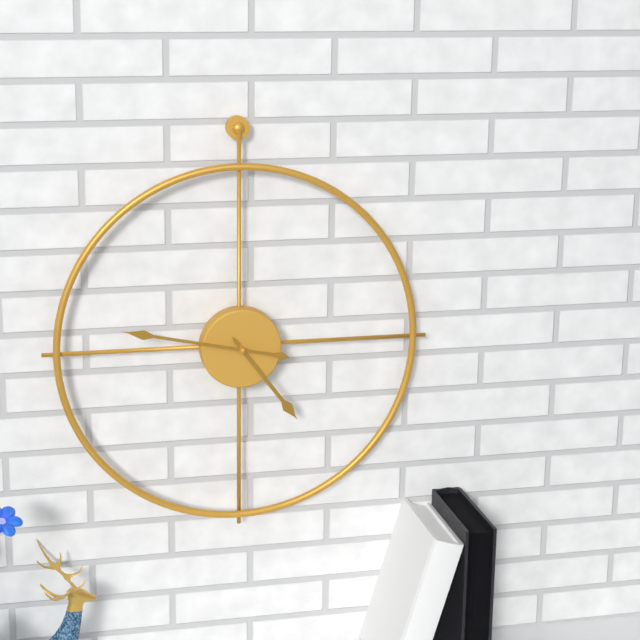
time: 4:47
